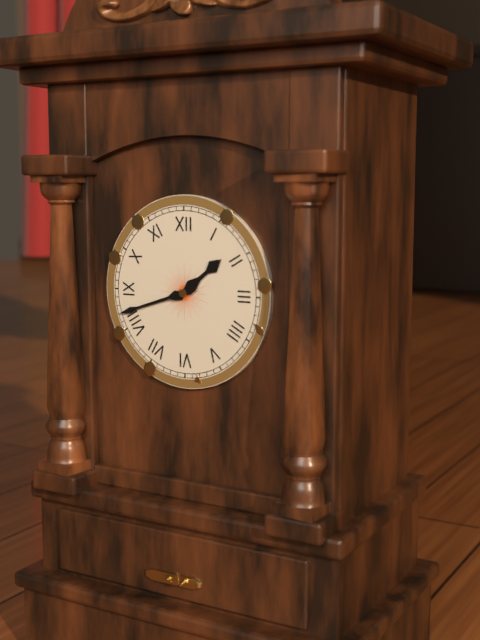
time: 1:42
